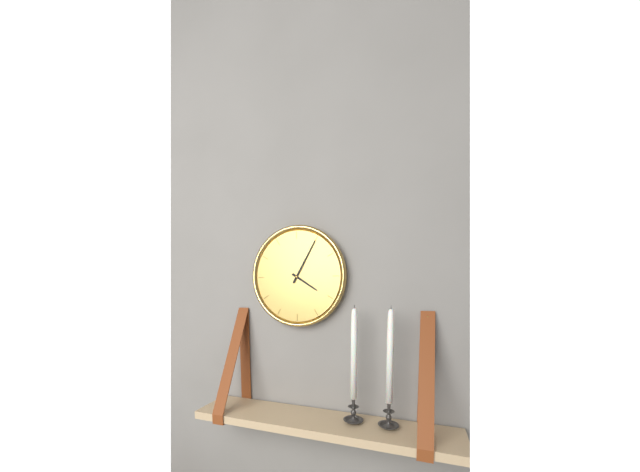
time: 4:05
